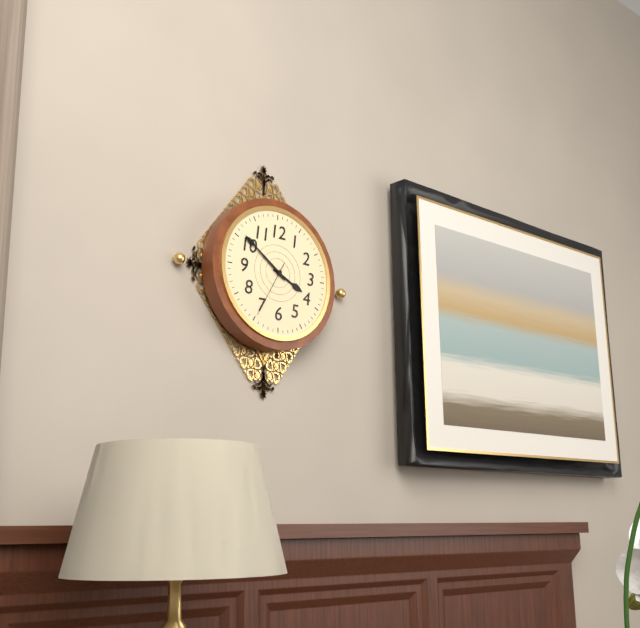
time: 3:51:35
